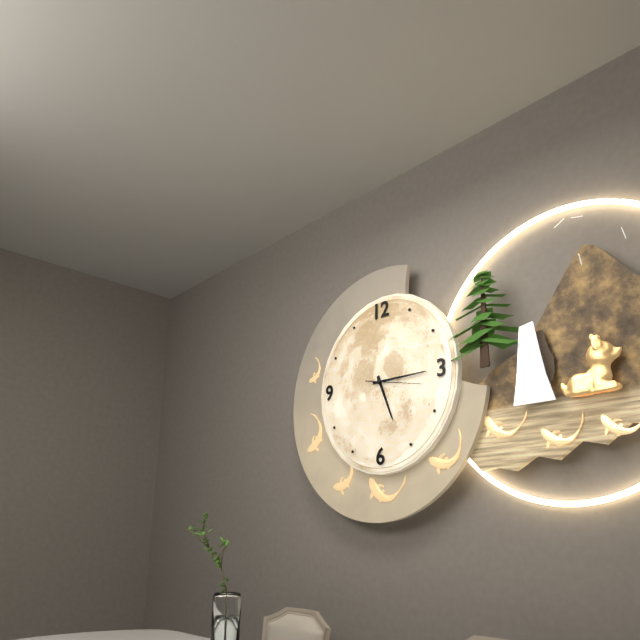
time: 5:15:17
